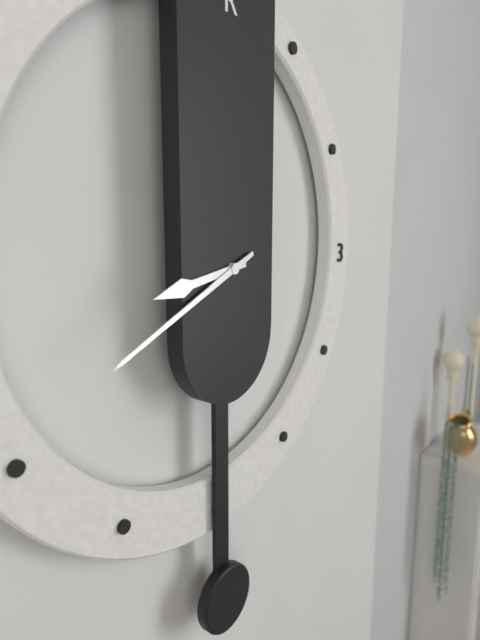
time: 8:41
